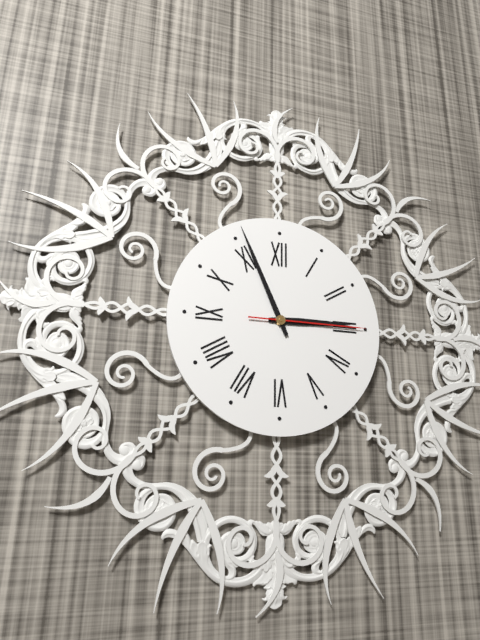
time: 2:56:15
